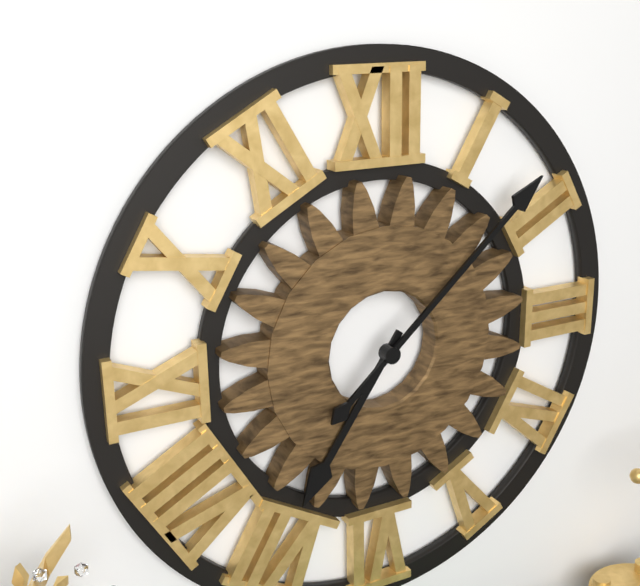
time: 7:08
